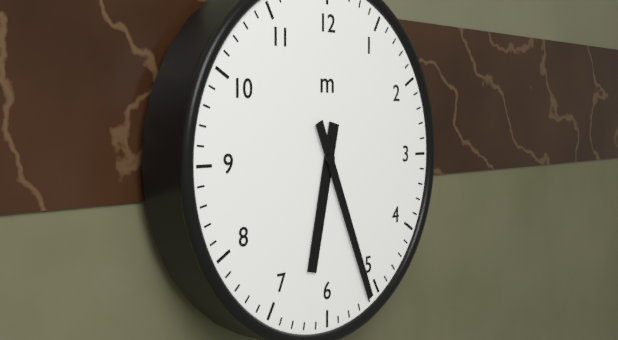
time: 6:26
